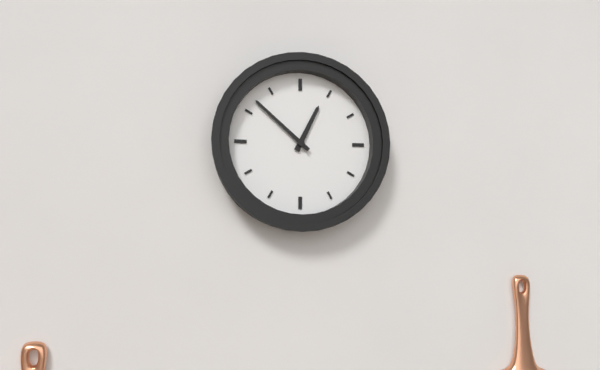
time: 12:52
